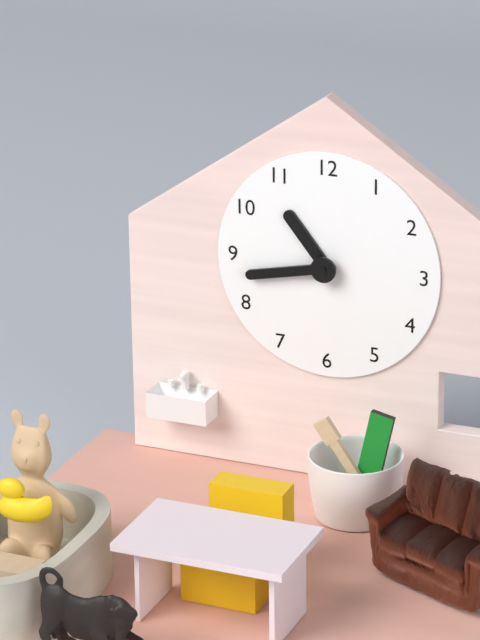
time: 10:43
